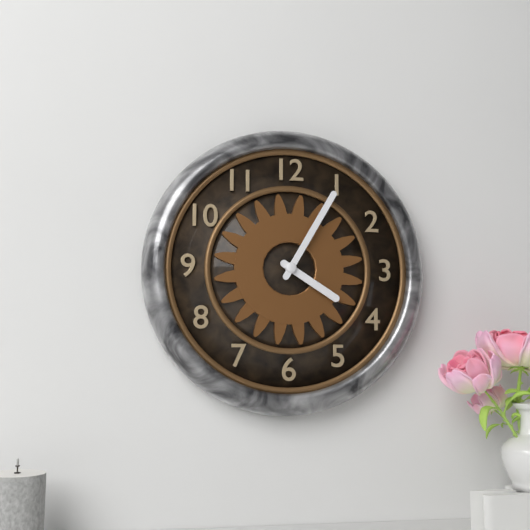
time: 4:05
